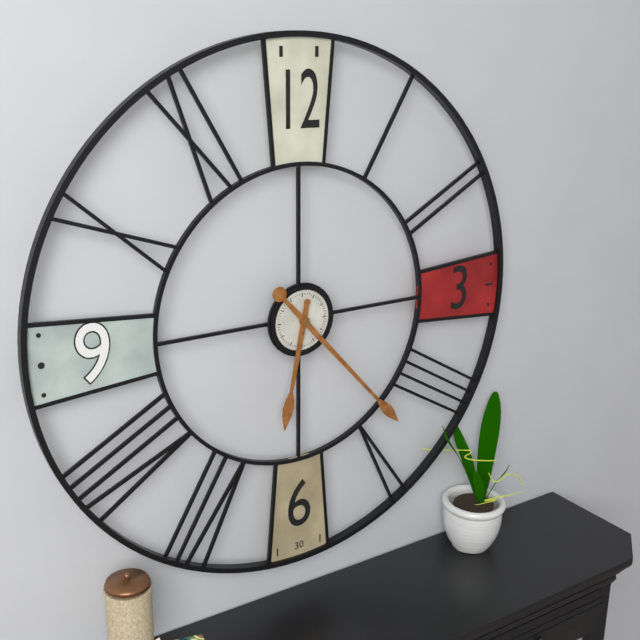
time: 6:23
